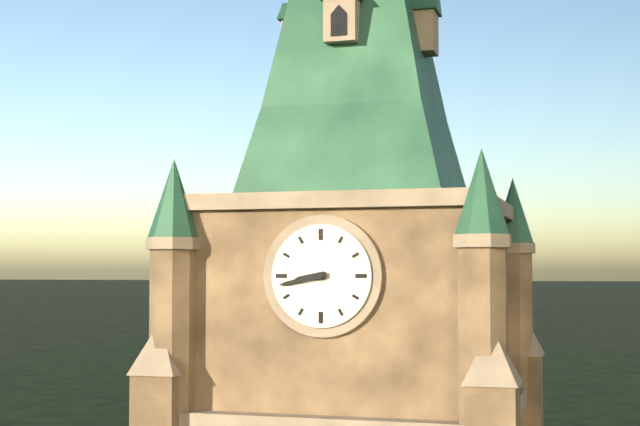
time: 8:43
